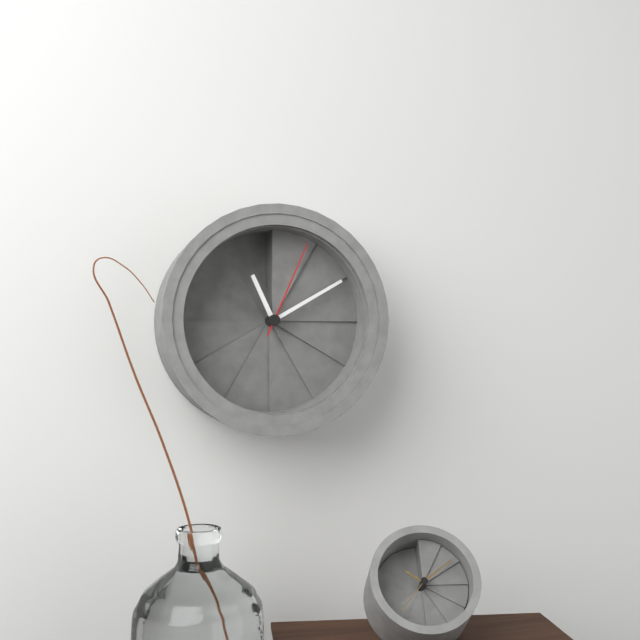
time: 11:10:04
